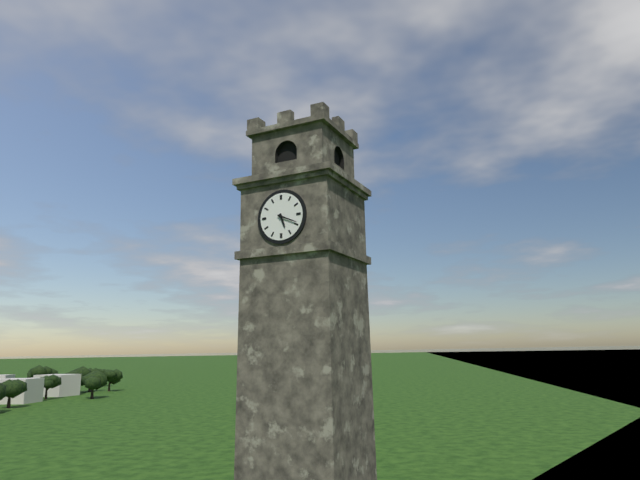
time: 5:19
